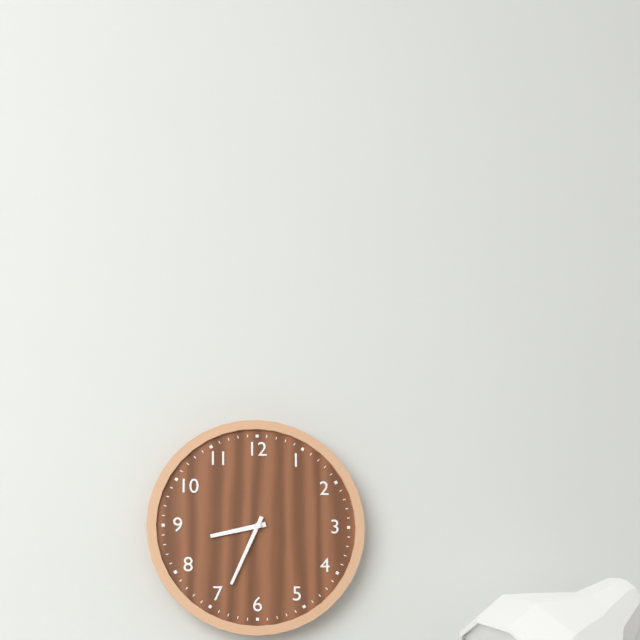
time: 8:34
